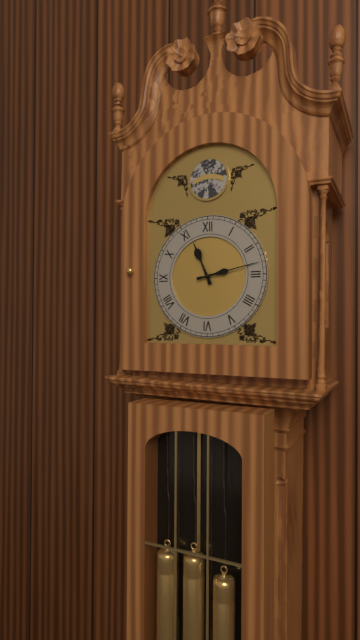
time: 11:13
